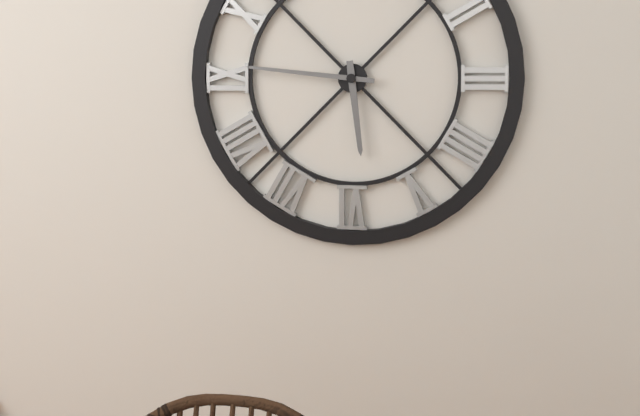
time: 5:46
